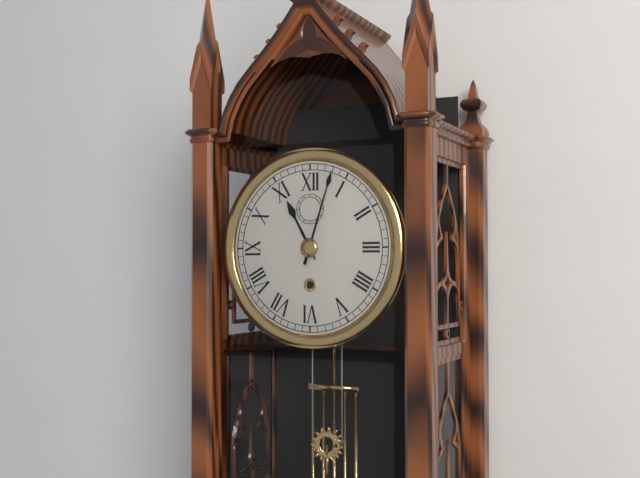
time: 11:03
